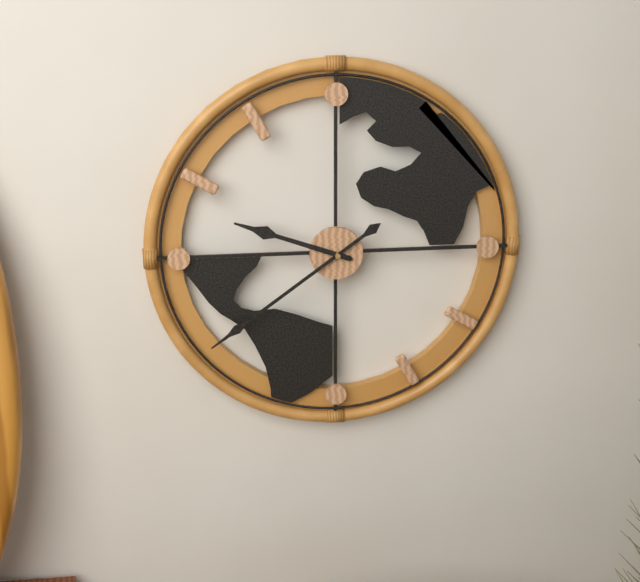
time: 9:39
